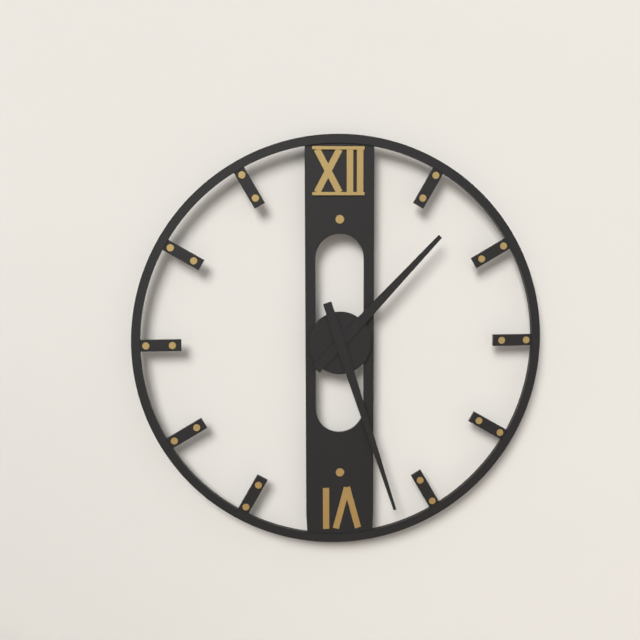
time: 1:27
